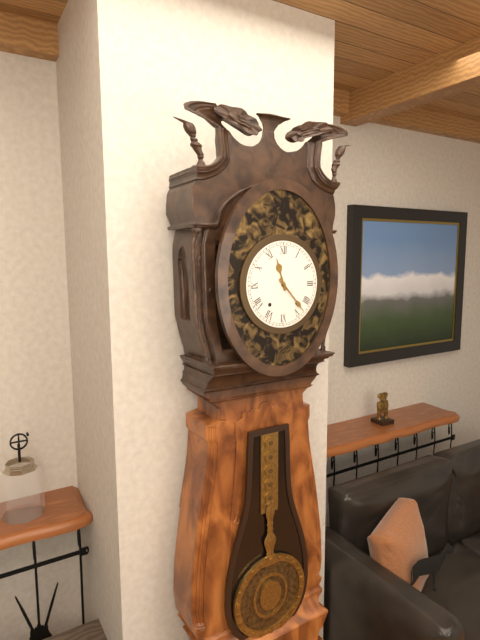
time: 11:23
